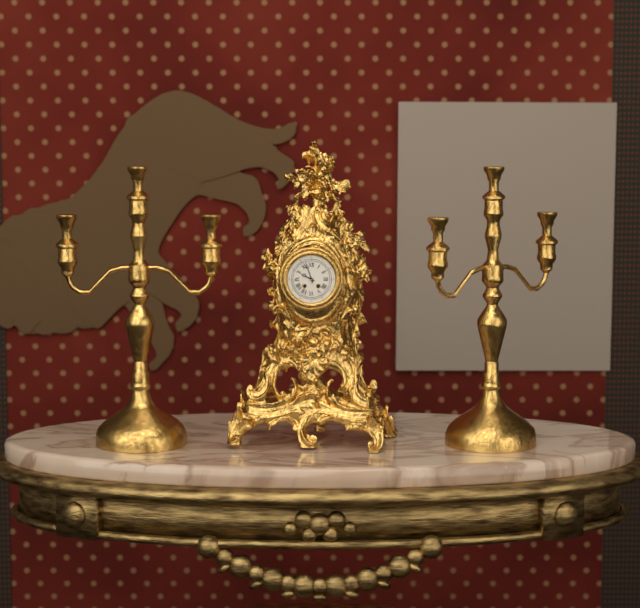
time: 9:57
